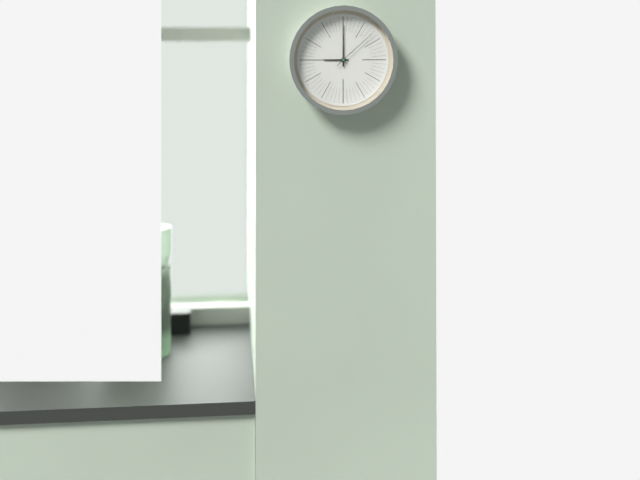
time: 9:00
